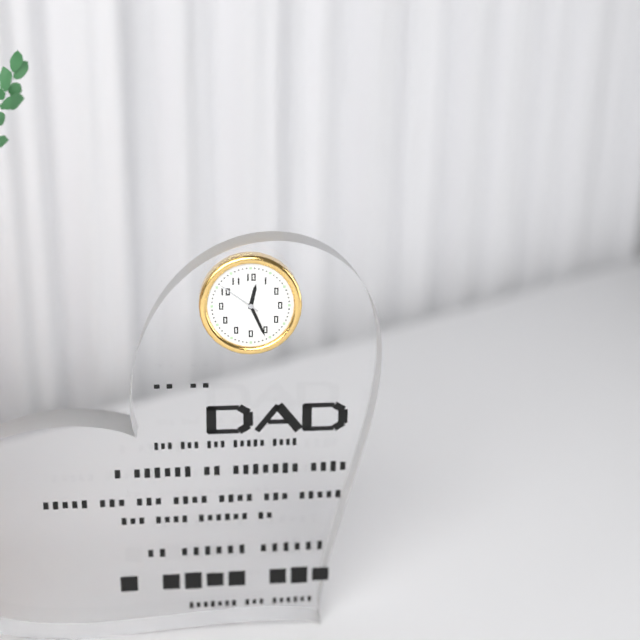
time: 12:26
